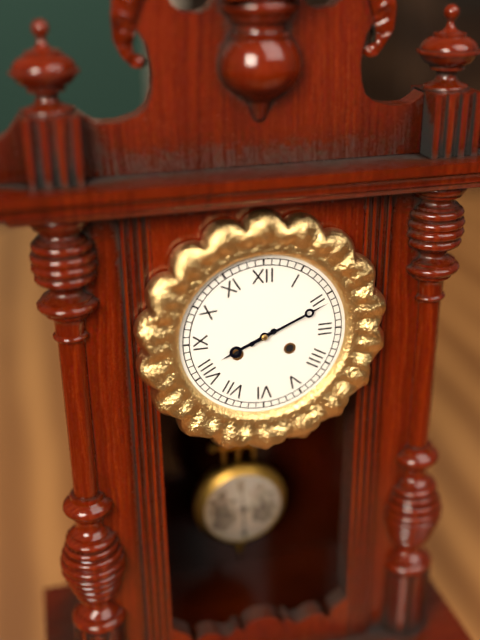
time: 8:11
